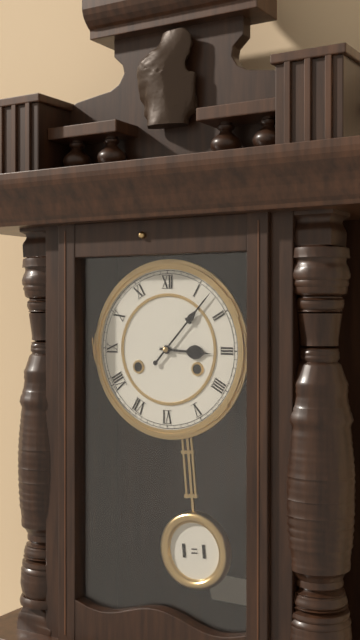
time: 3:07
